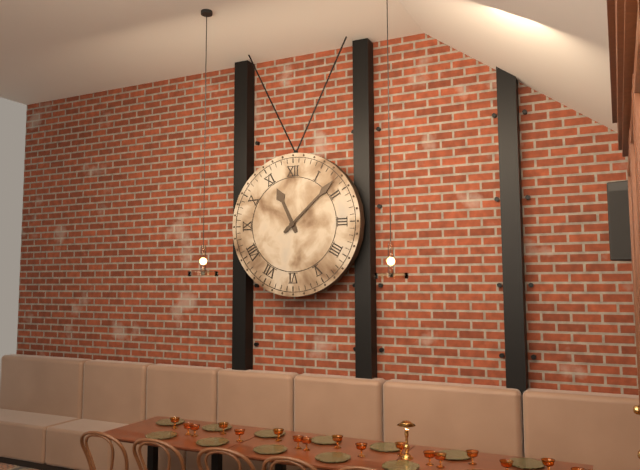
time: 11:08
